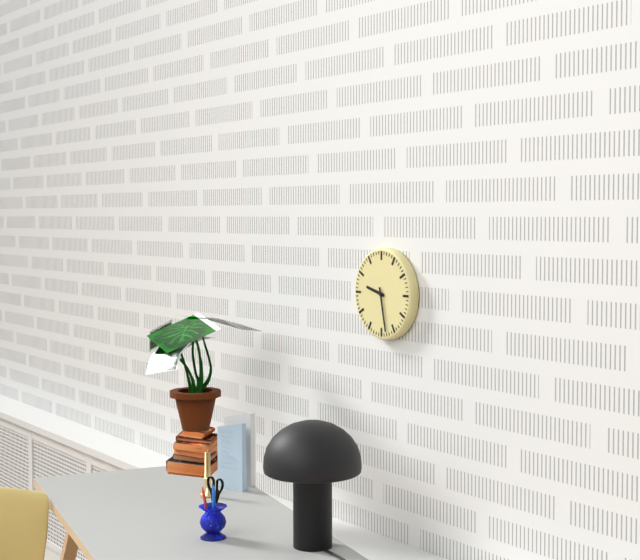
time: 9:28
